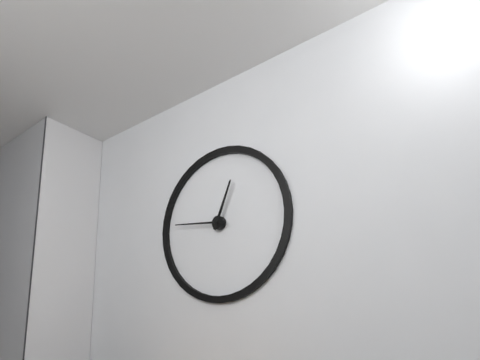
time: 12:46
